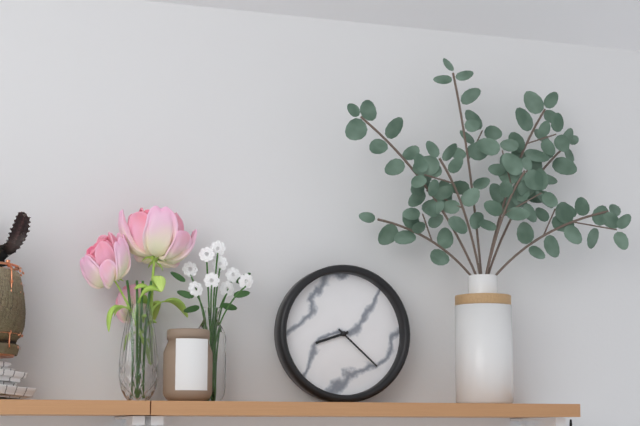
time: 8:22
